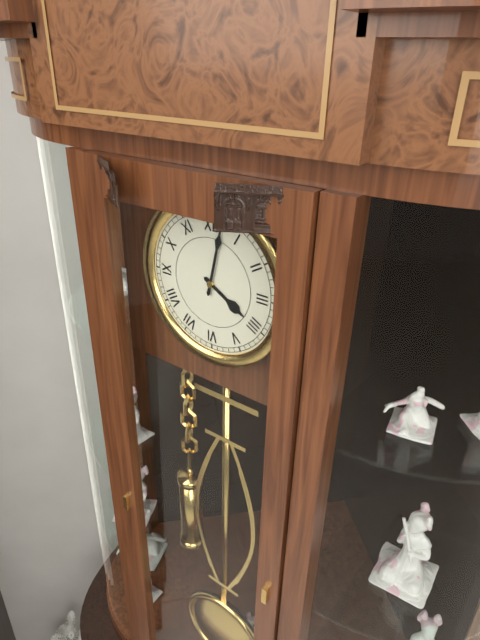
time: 4:02
